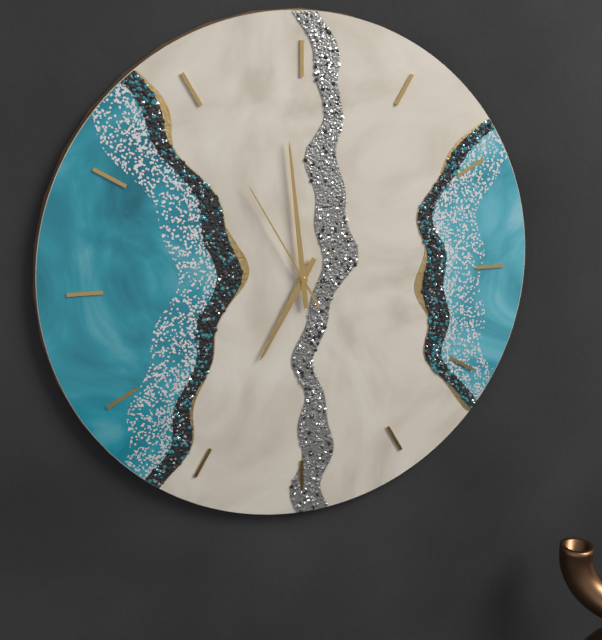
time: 6:59:55
